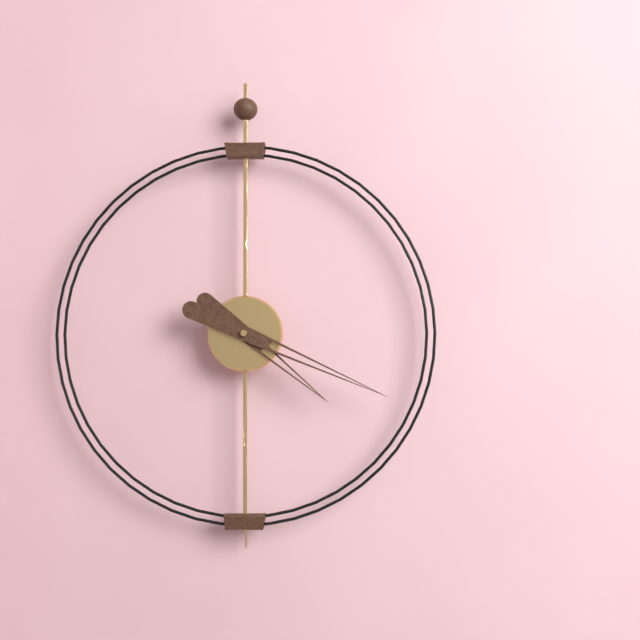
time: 4:19
